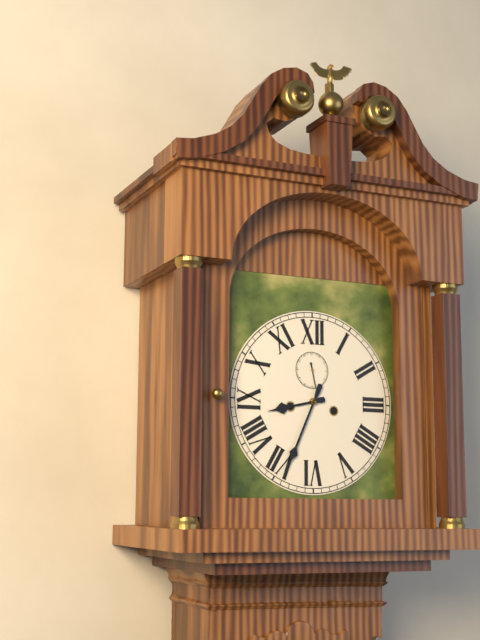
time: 8:34
